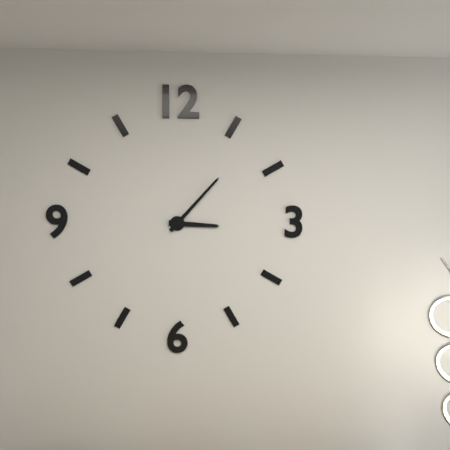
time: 3:07
